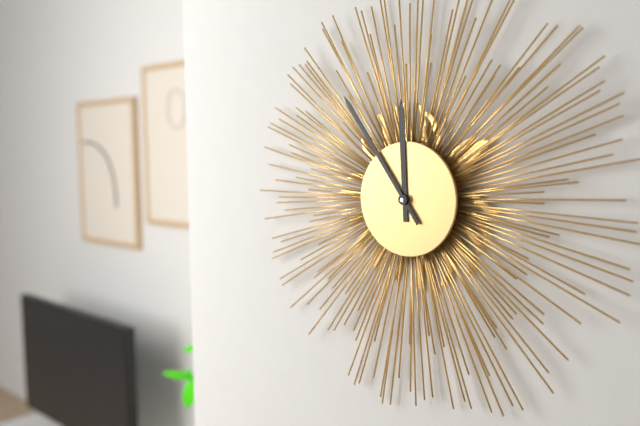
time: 11:54
